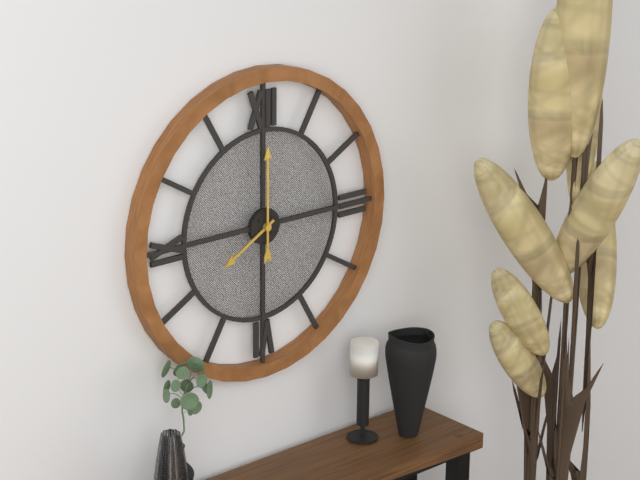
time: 8:00
